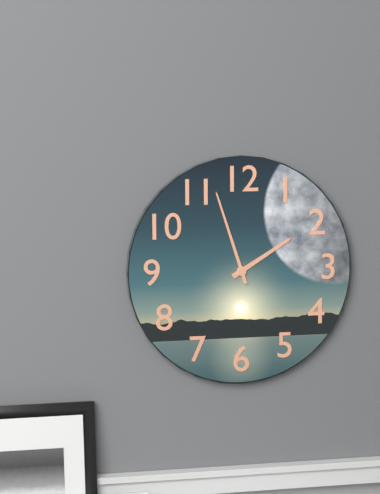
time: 1:57
